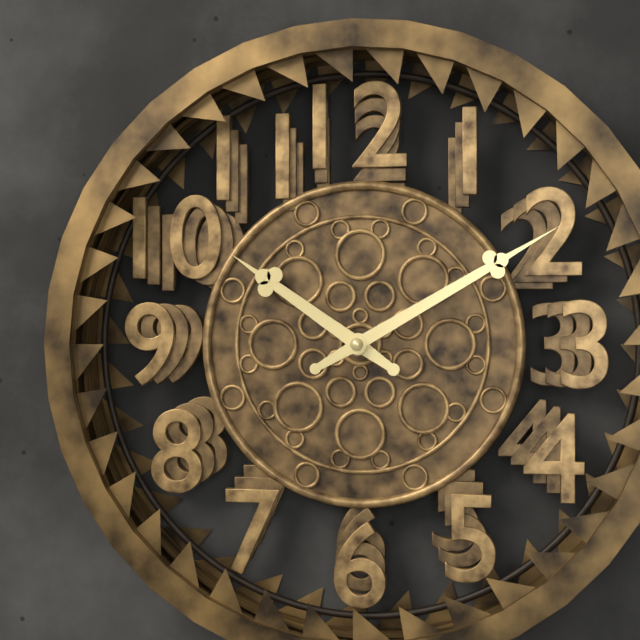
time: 10:10
